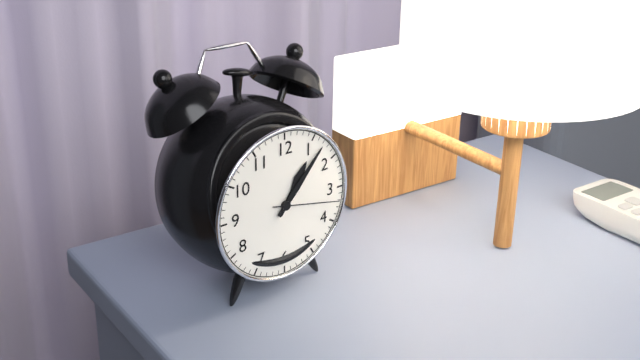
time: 1:07:17
